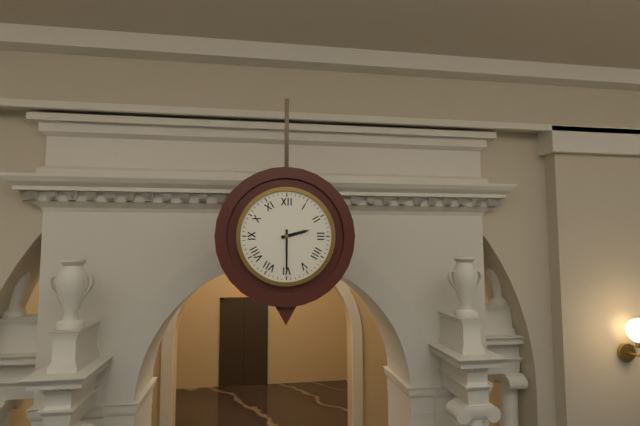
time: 2:30
